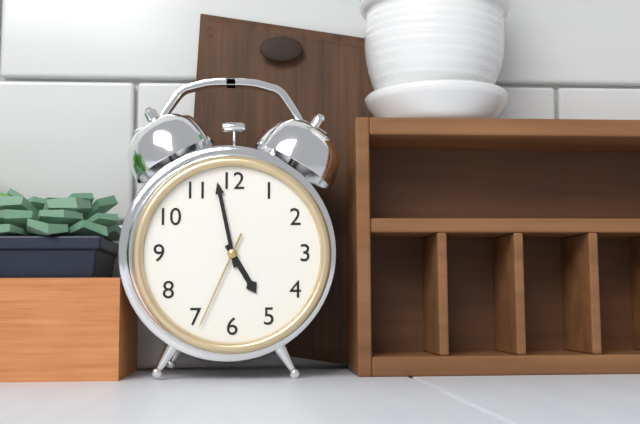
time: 4:58:34
